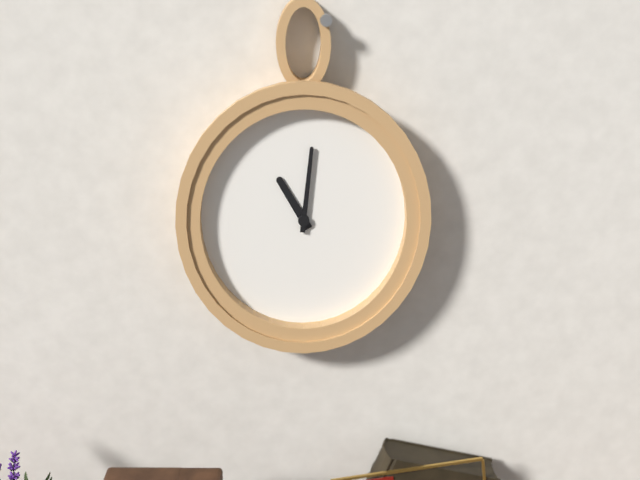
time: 11:01
